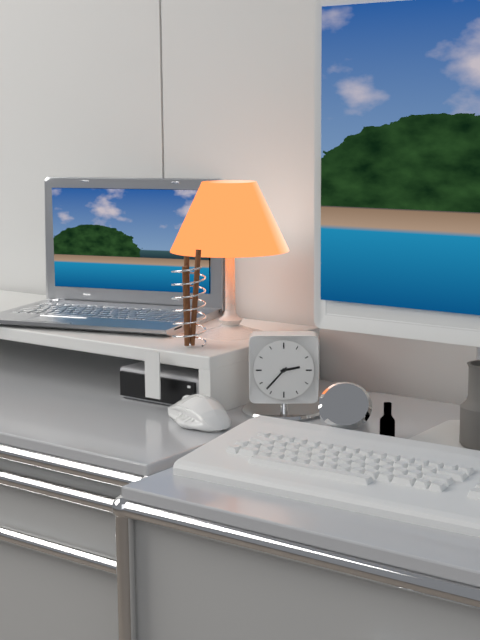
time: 2:37
